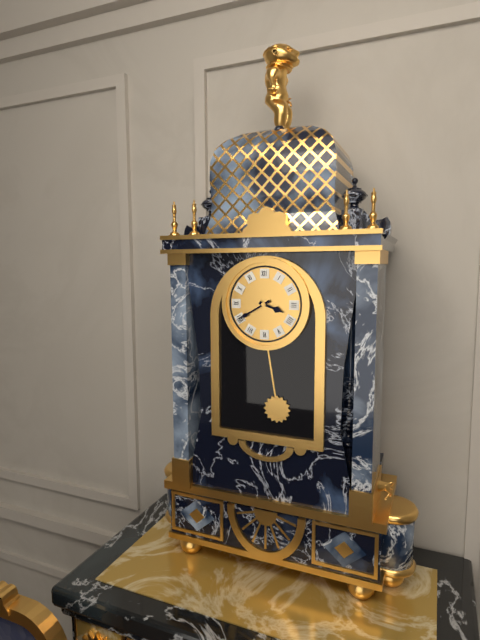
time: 3:40
